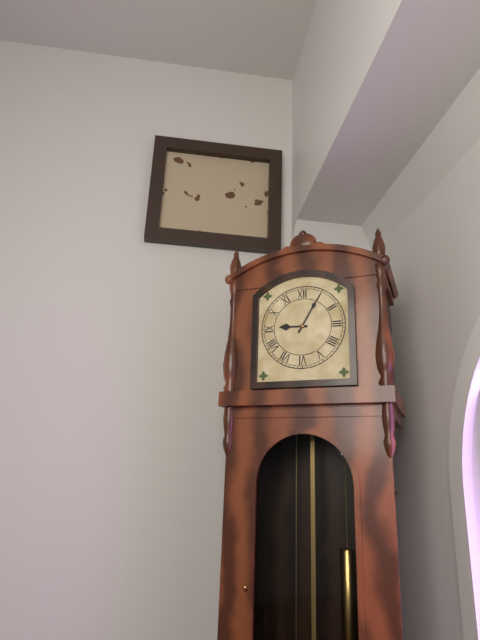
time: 9:05
